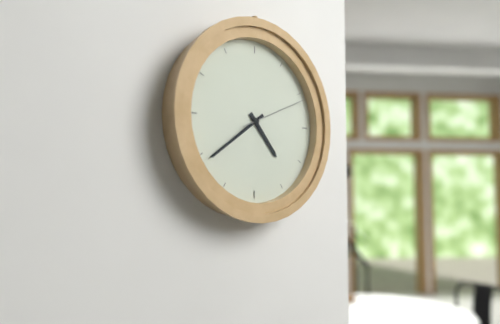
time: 4:39:11
